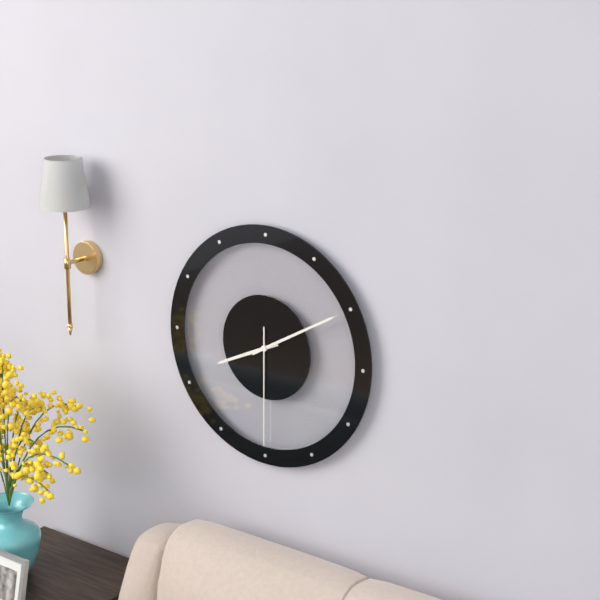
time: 8:10:30
